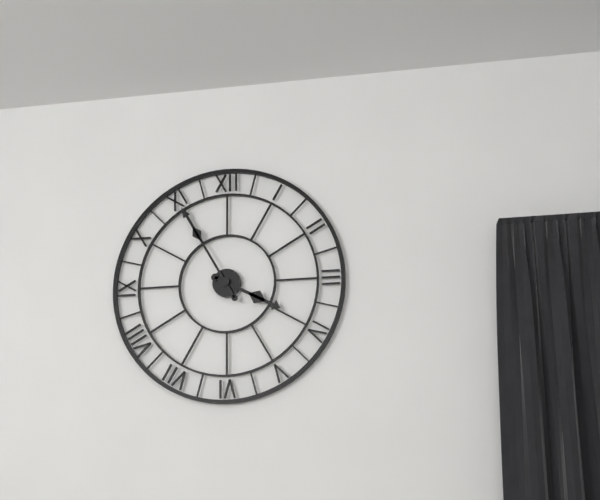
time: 3:55
